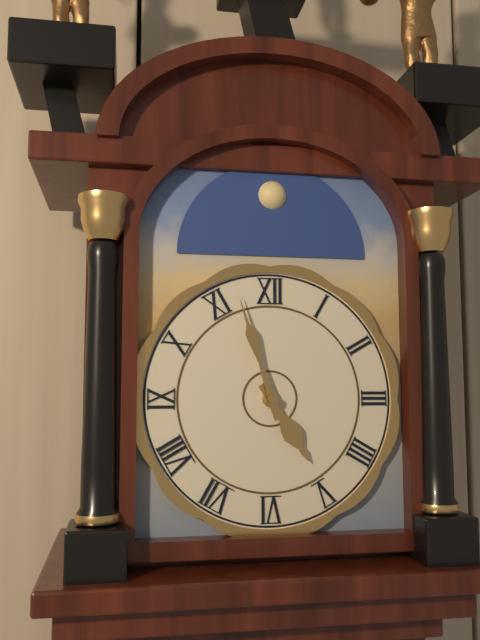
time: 4:57
